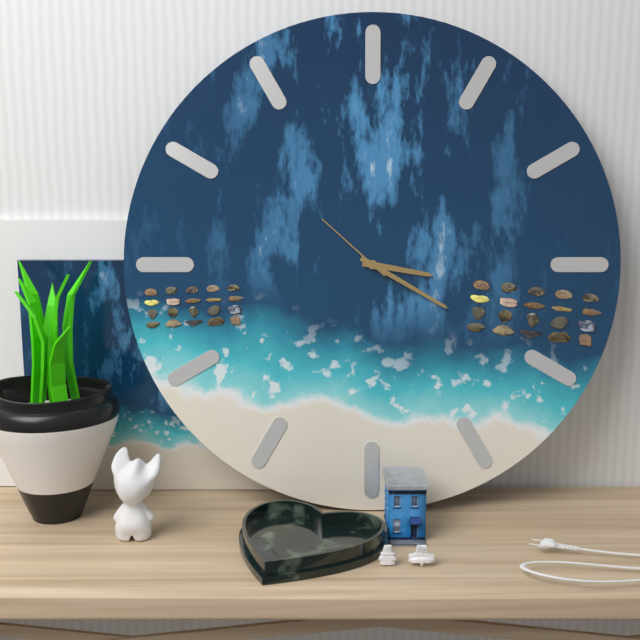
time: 3:20:52
